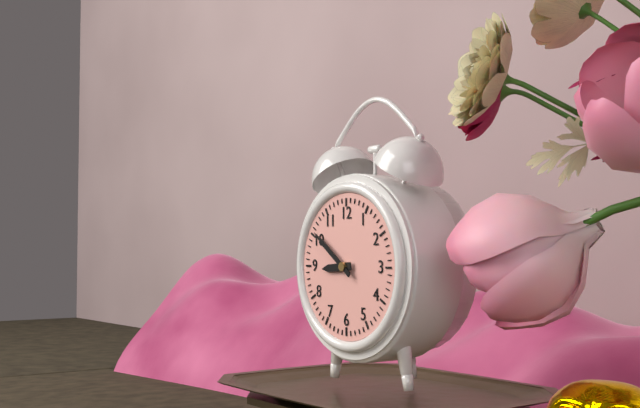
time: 8:51
